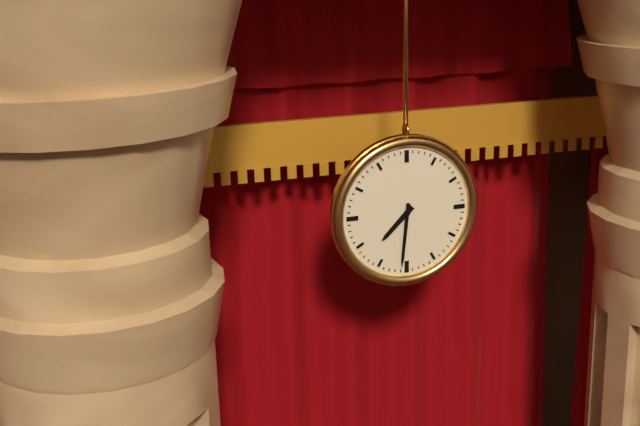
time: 7:31
